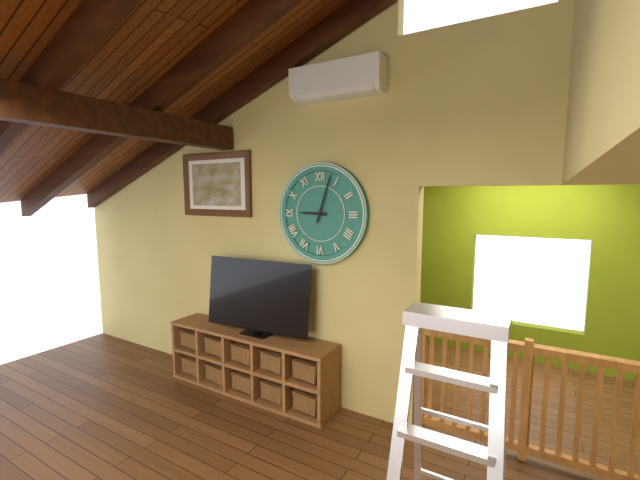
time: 9:03
